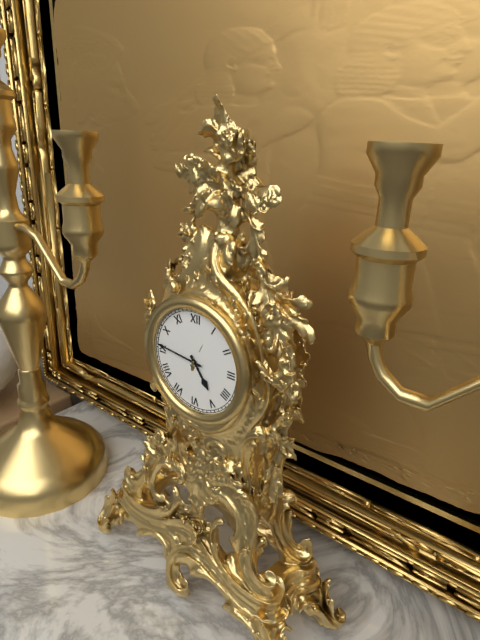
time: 4:46
